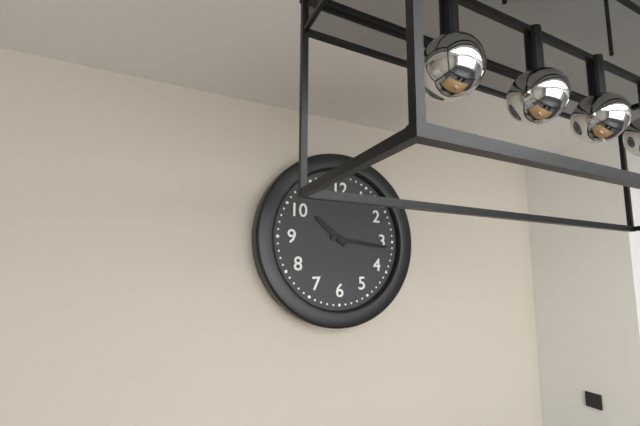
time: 10:16
